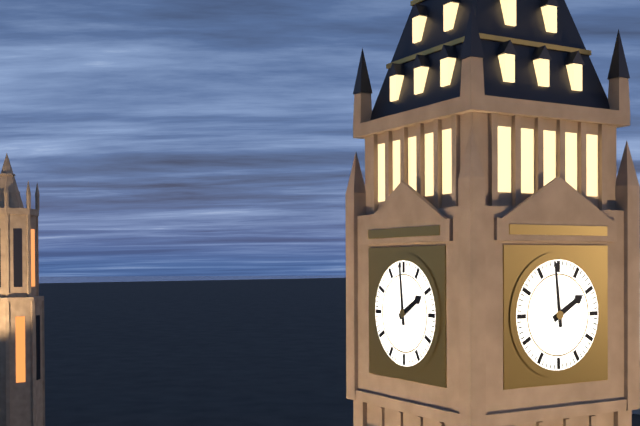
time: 1:59
